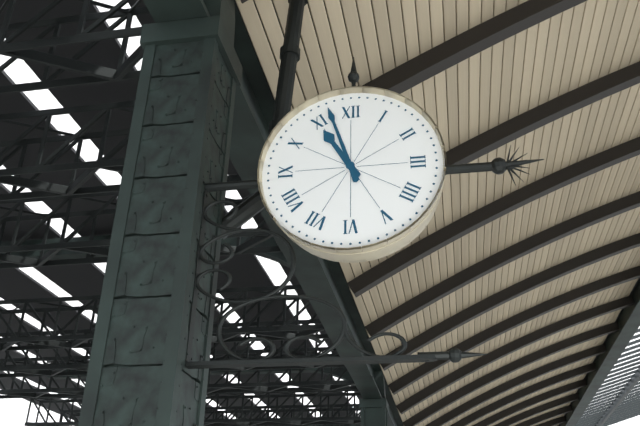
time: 10:57
